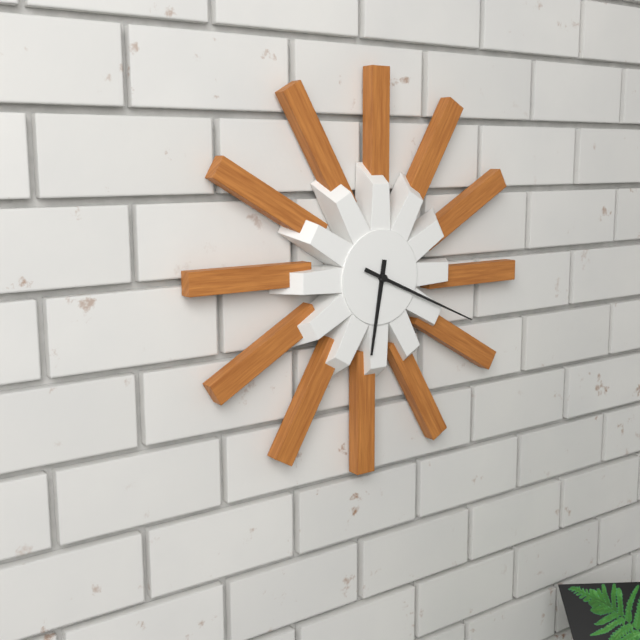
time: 6:19
